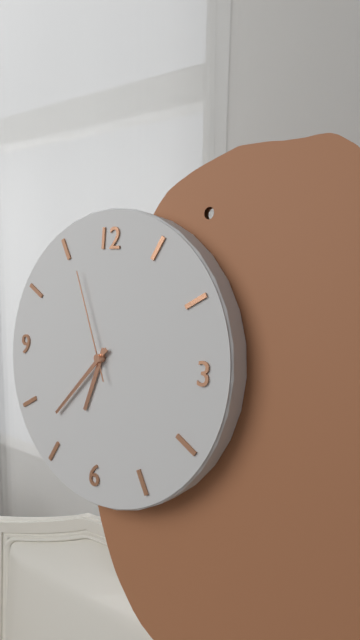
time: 6:37:56
